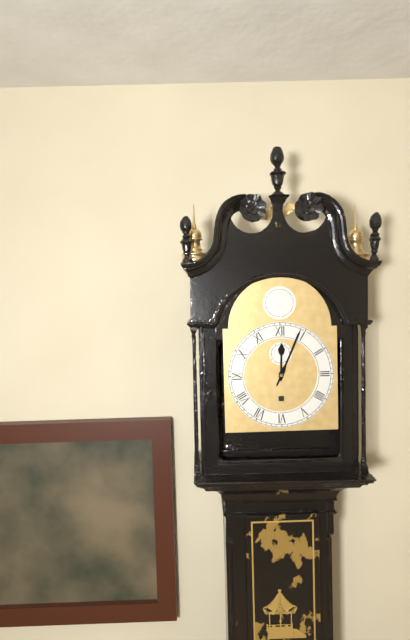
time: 12:04
